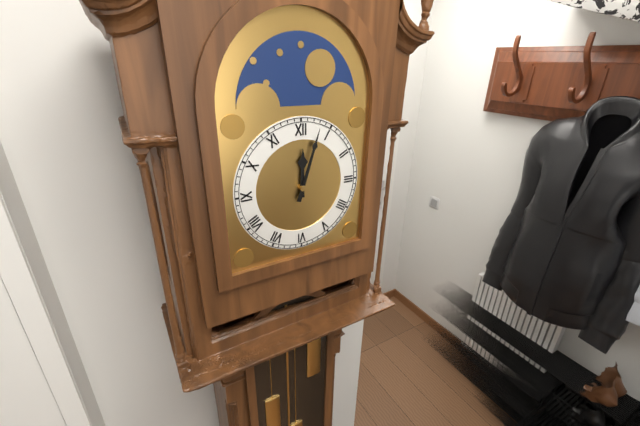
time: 12:03
